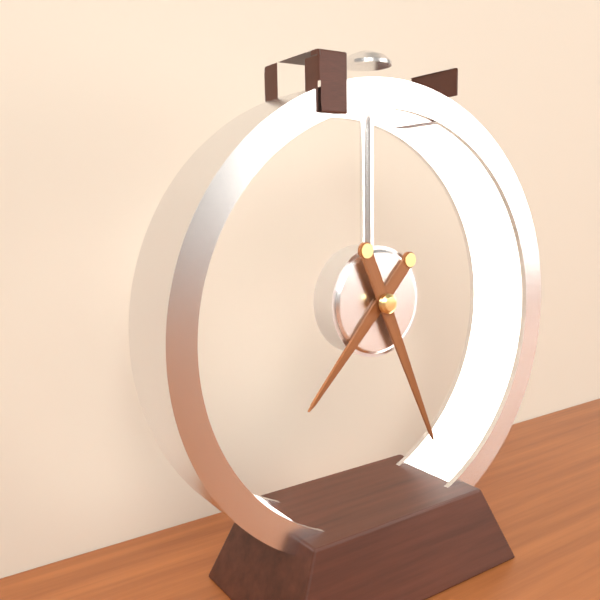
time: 7:26
